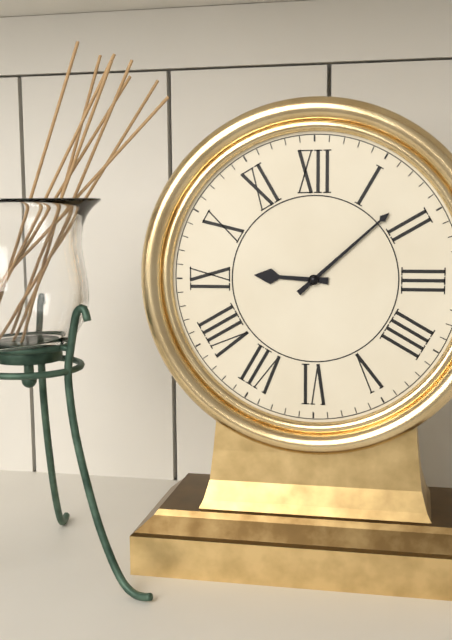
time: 9:08
